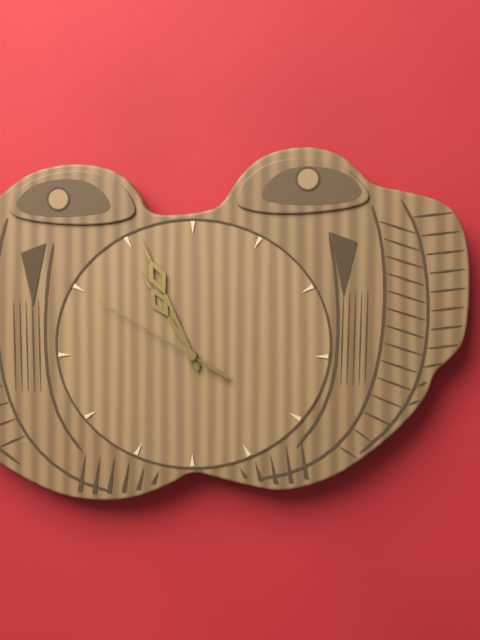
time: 10:56:50
